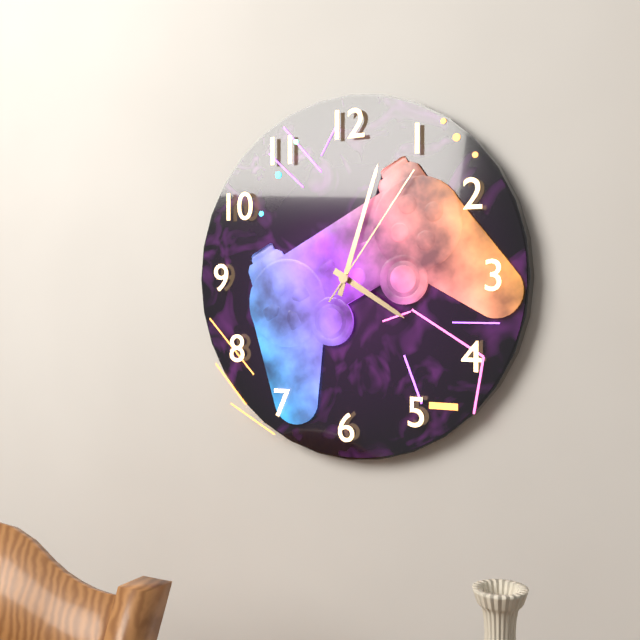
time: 4:03:06
